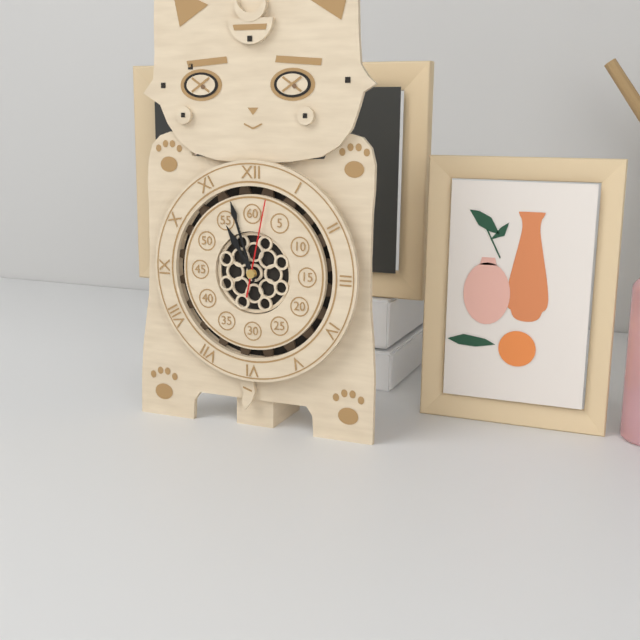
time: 10:57:02
